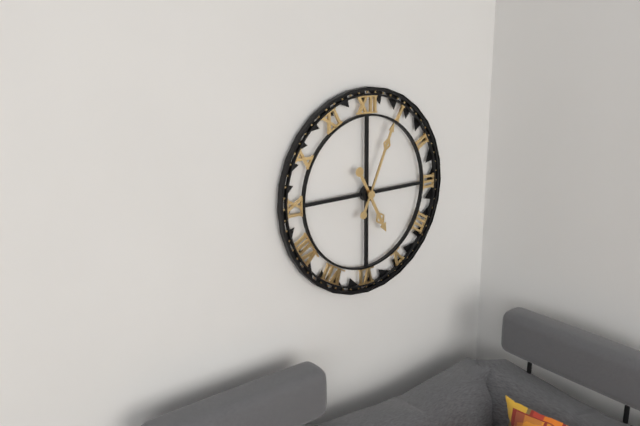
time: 5:04
